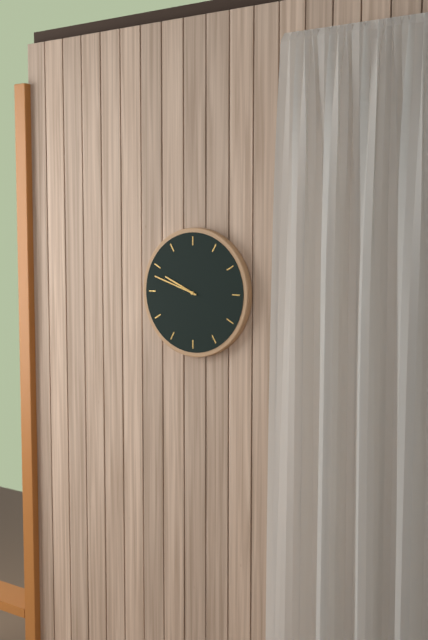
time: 9:48
